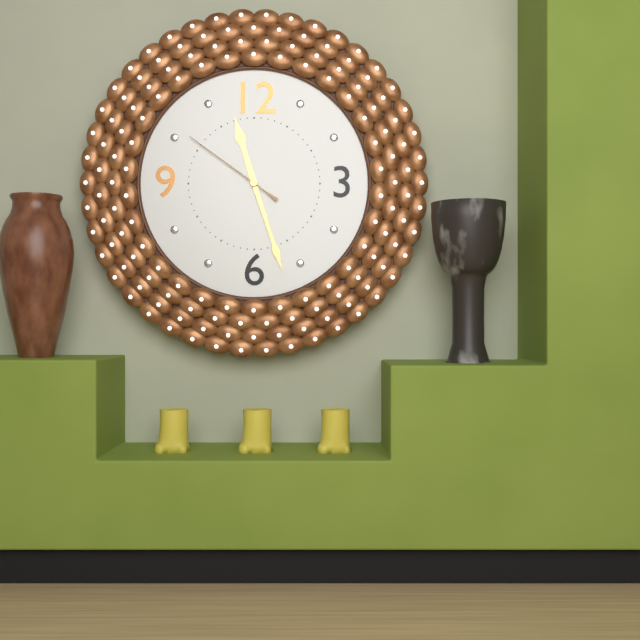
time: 11:27:51
